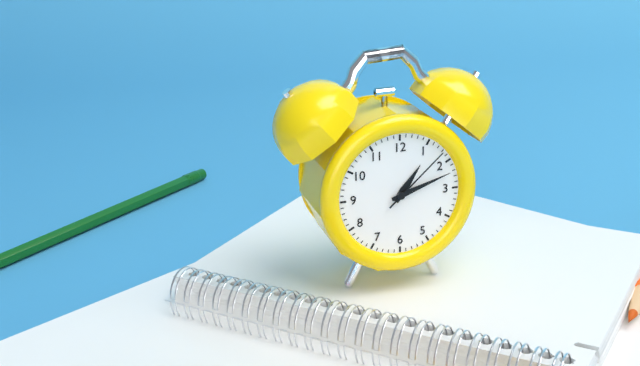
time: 1:12:08
